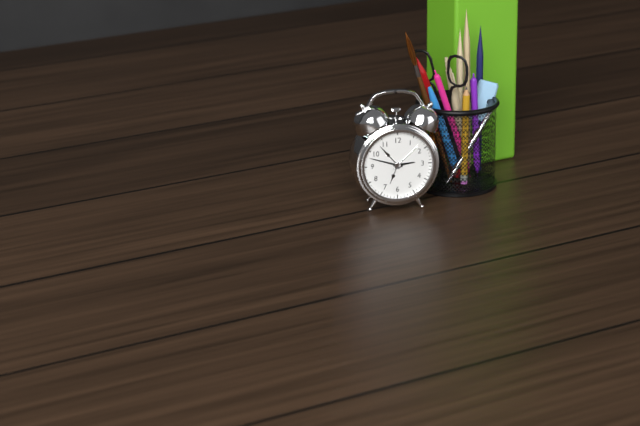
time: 2:48
